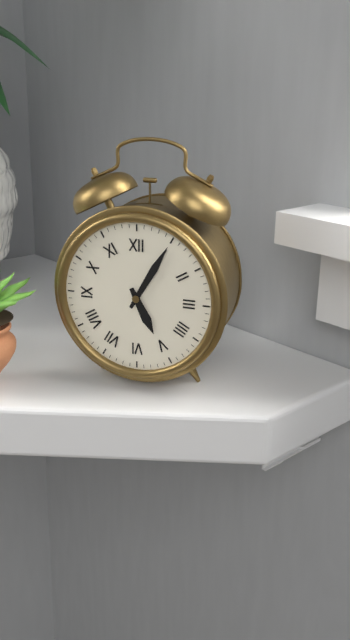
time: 5:05
